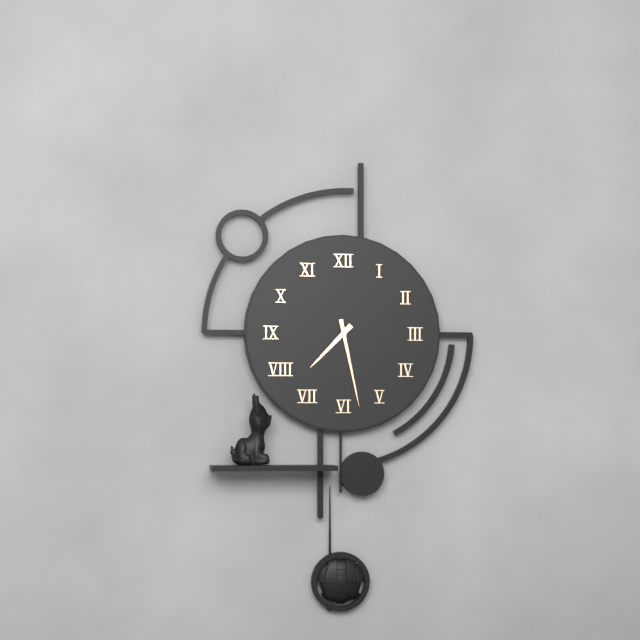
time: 7:28
